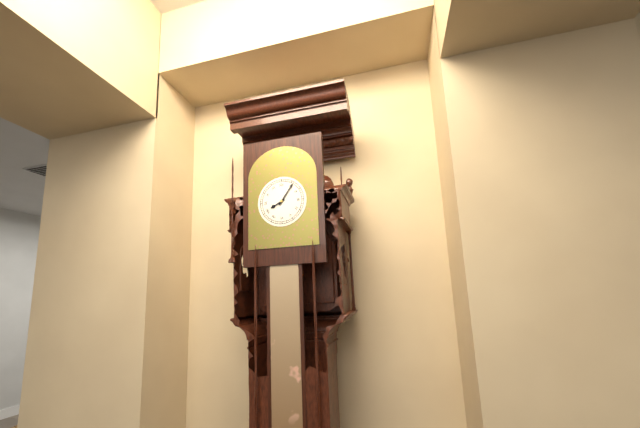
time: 8:06
